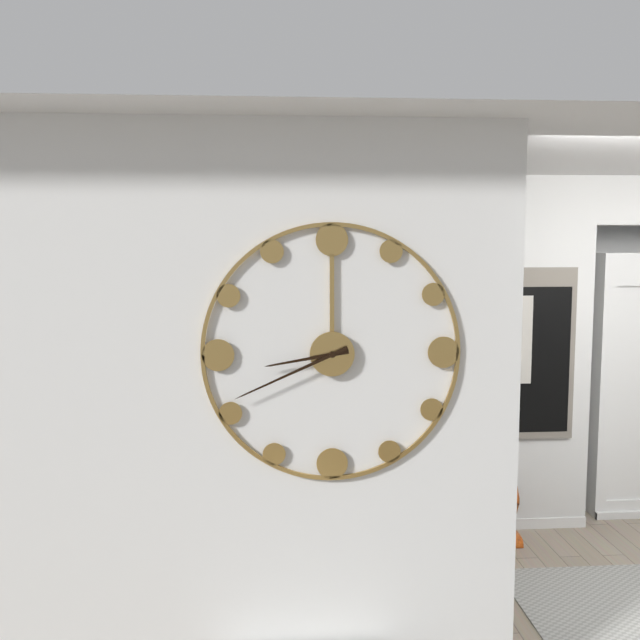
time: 8:41
